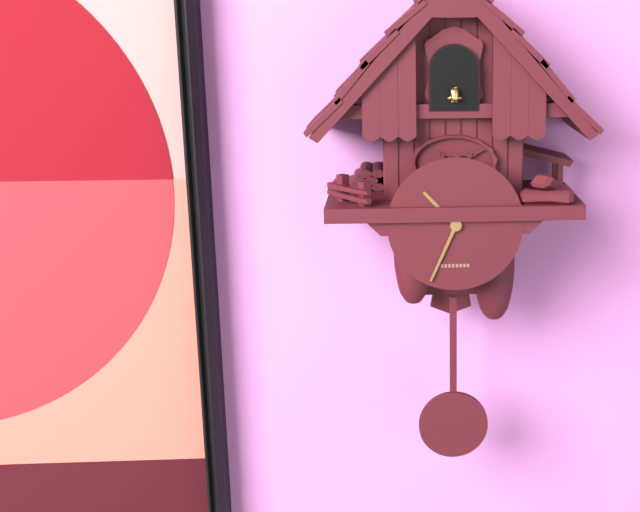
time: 10:34
